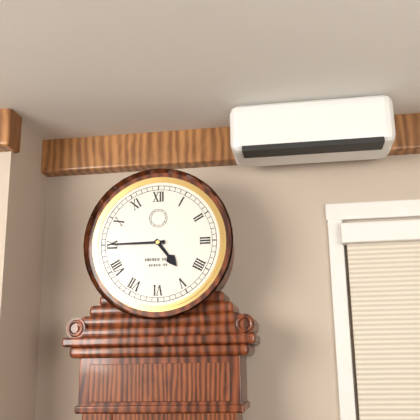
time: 4:45
